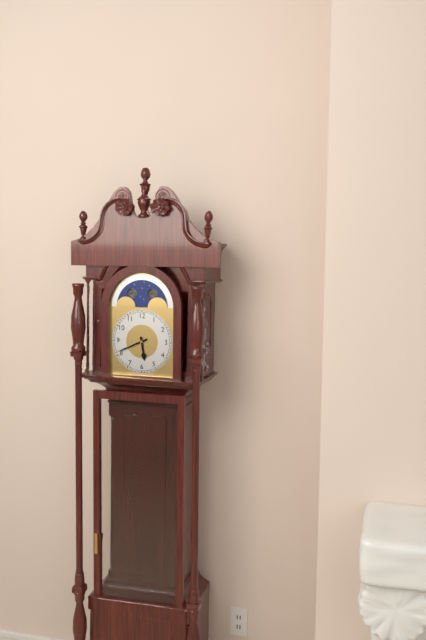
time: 5:41
